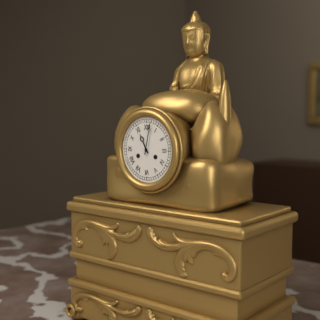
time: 11:02
